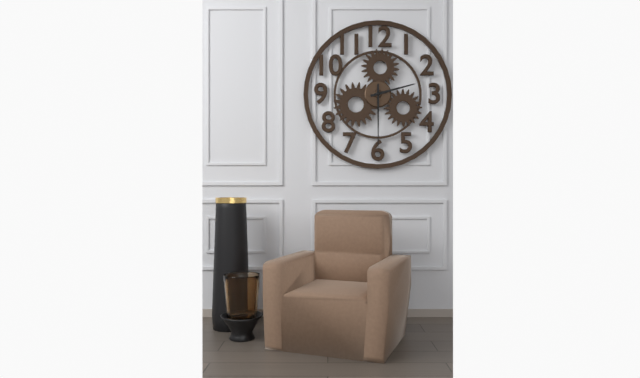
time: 2:30
